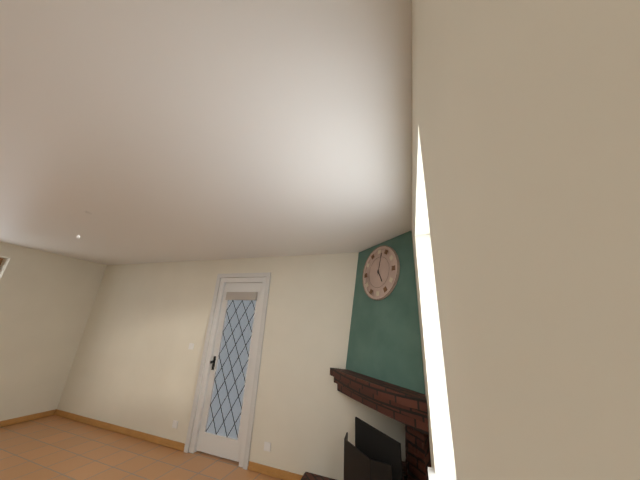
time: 5:02
